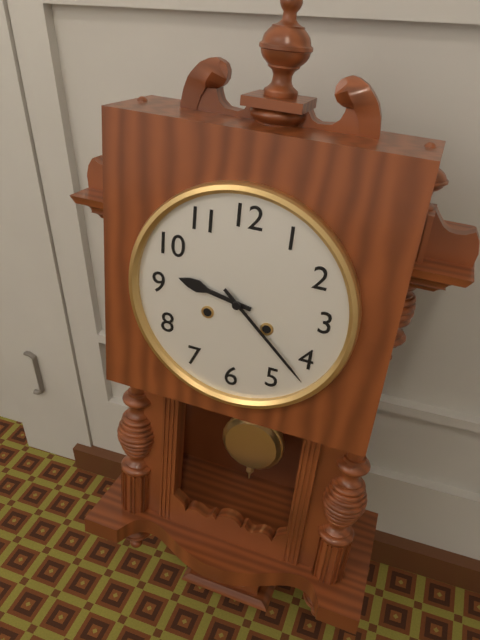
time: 9:22
